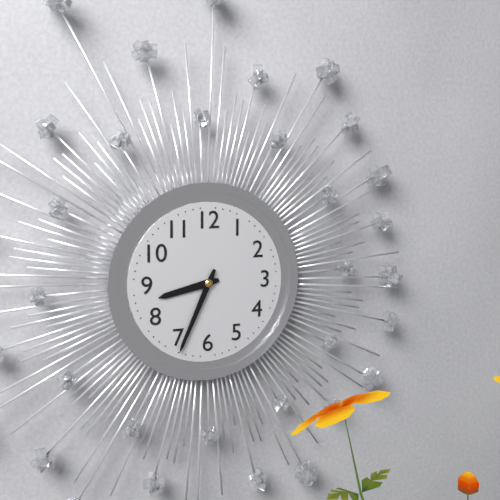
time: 8:34
